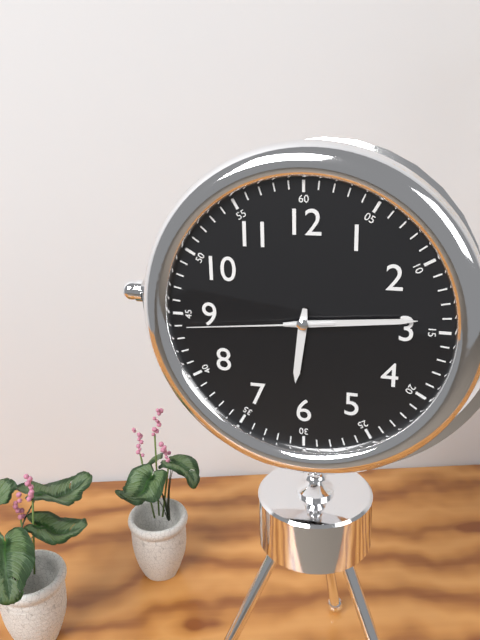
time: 6:14:44
